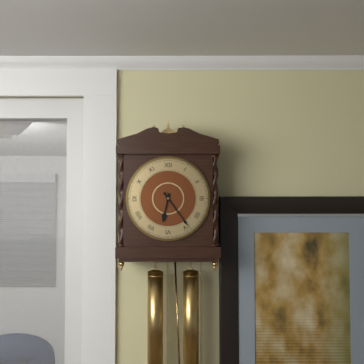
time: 6:24
